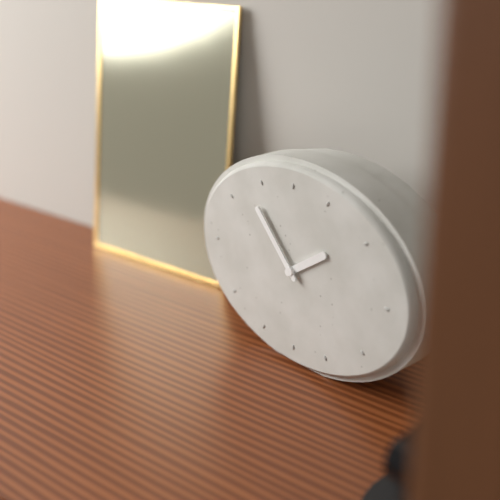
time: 1:53
